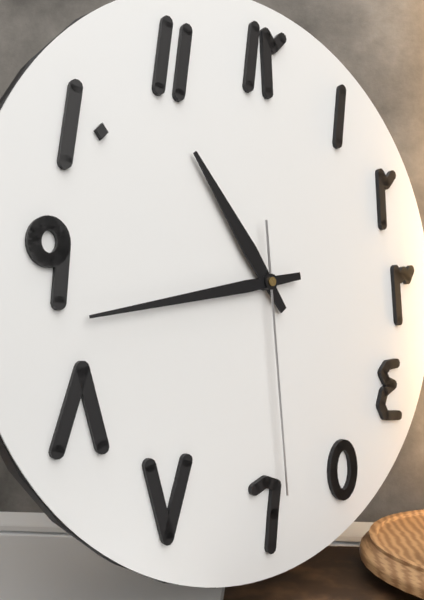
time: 10:43:29
